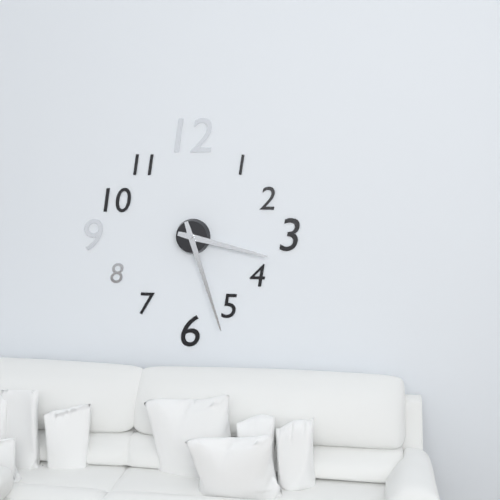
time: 3:27
